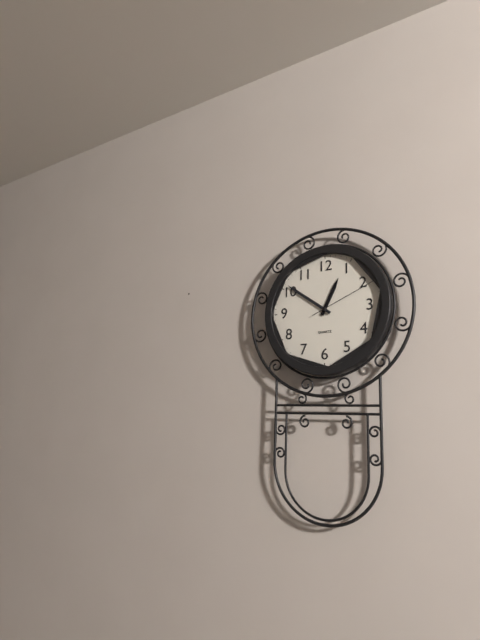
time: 12:51:11
